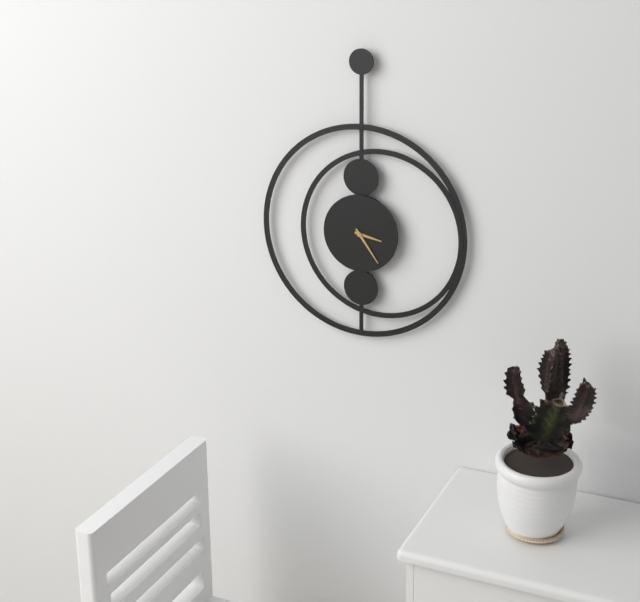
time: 3:24
